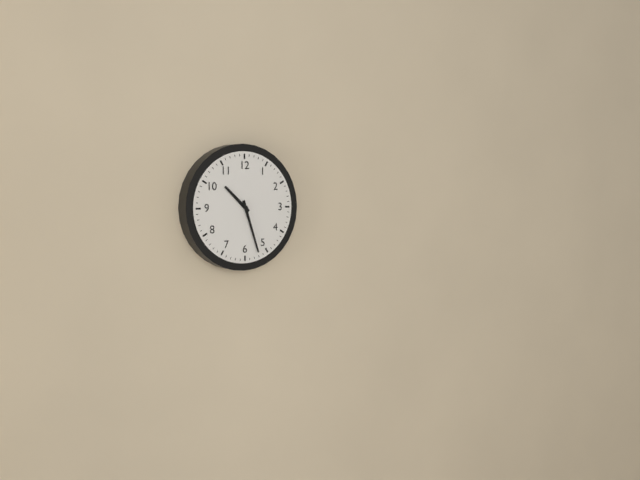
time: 10:27
